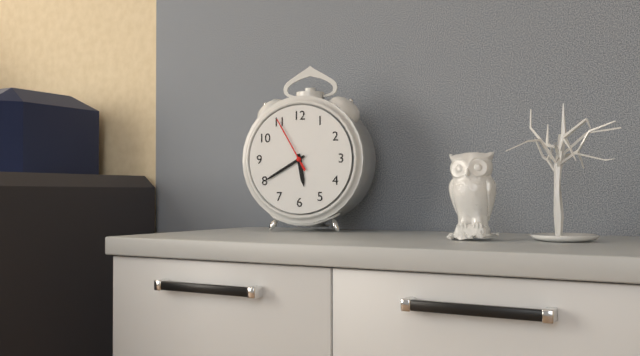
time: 5:40:55
